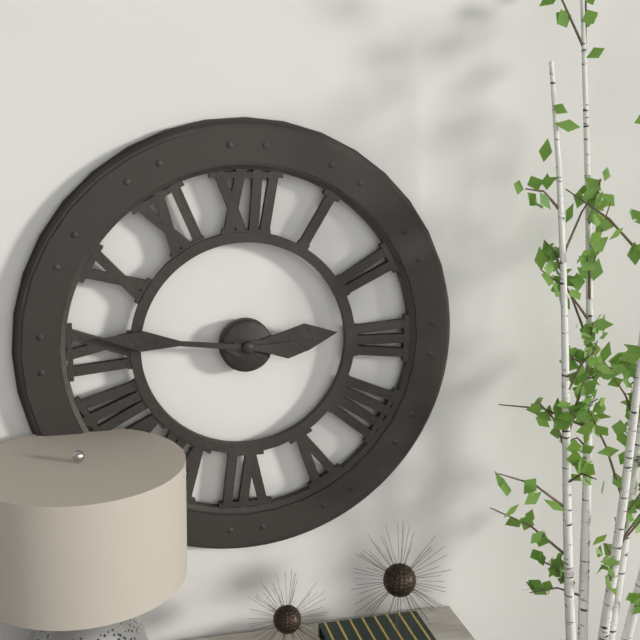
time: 2:46
